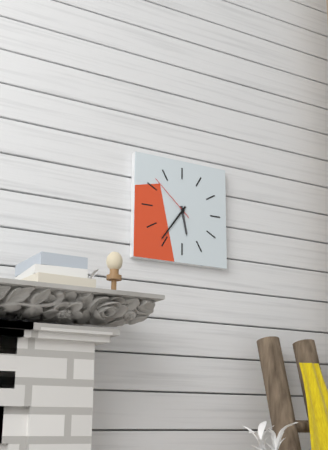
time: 5:36:52
